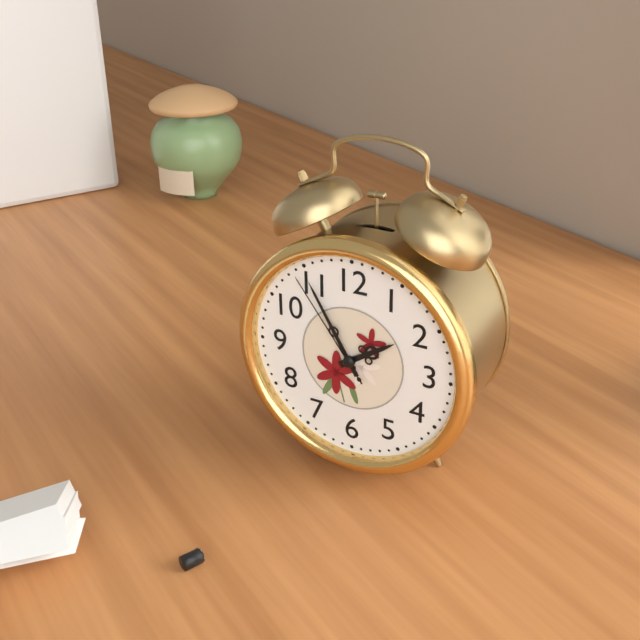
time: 1:55:54
